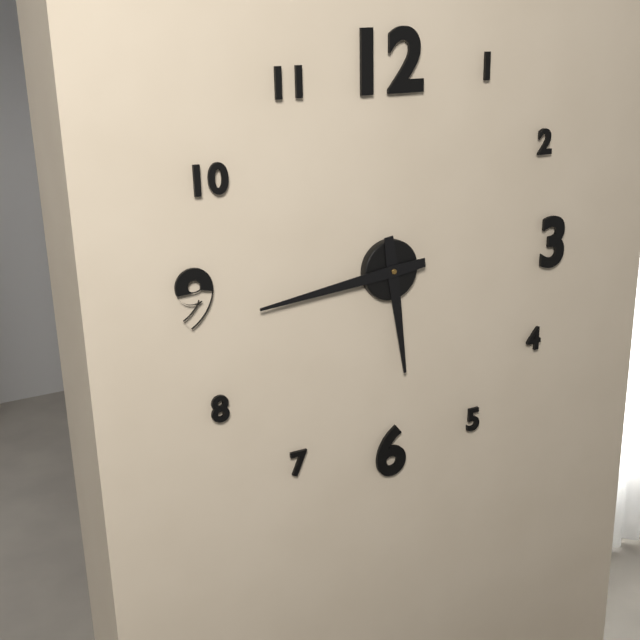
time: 5:44
